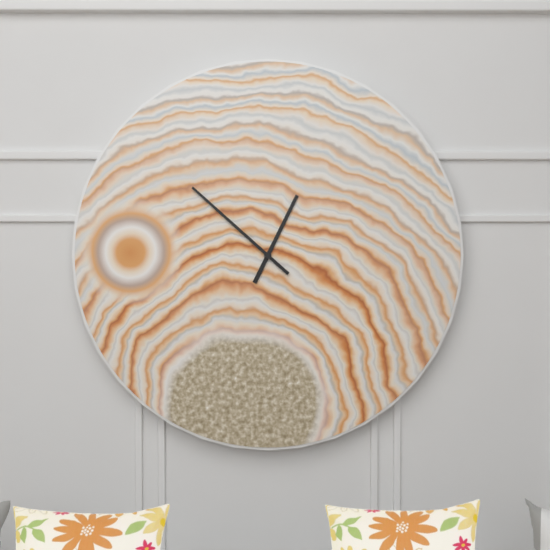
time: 12:52
